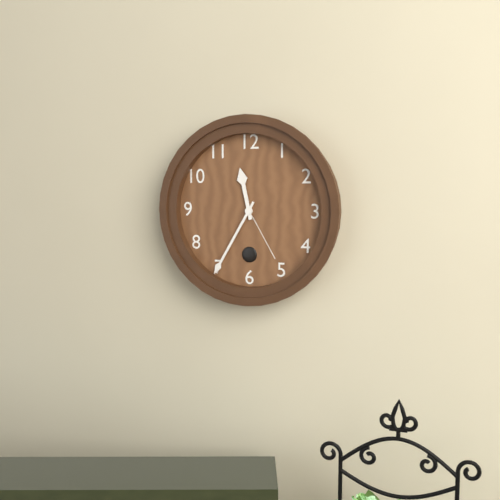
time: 11:35
